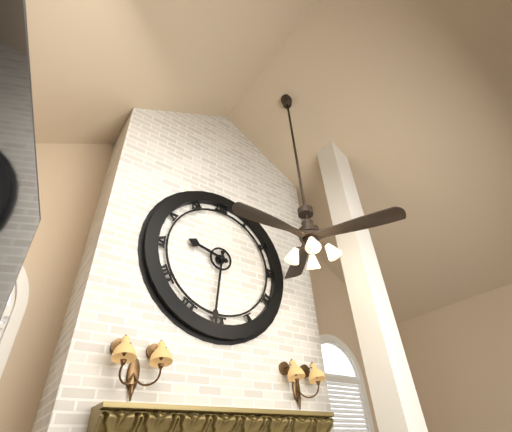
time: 9:31
